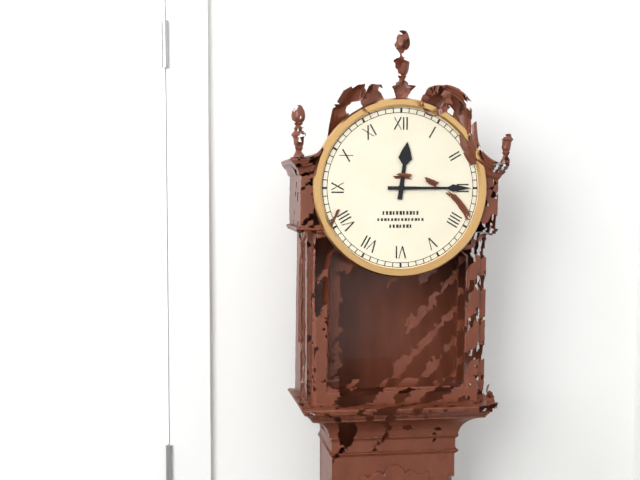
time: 12:15
